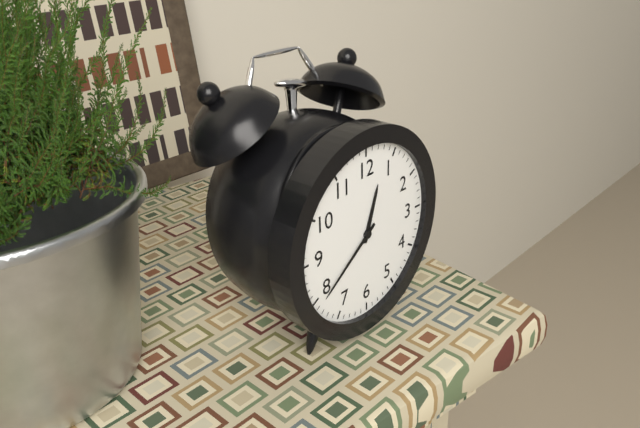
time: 12:39
